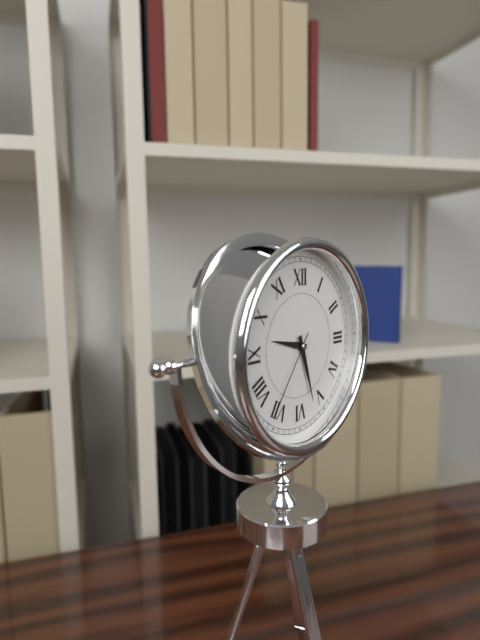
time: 9:27:36
